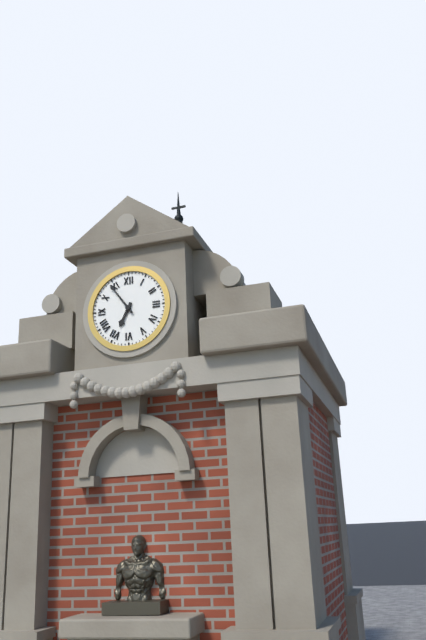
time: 6:54
